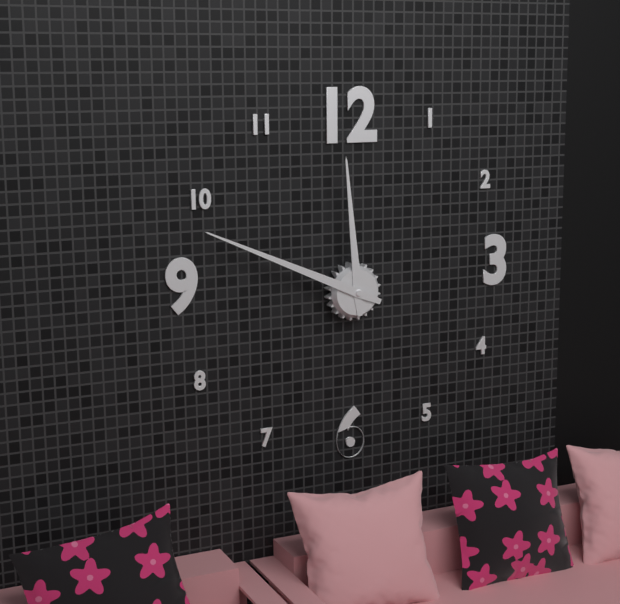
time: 11:49
